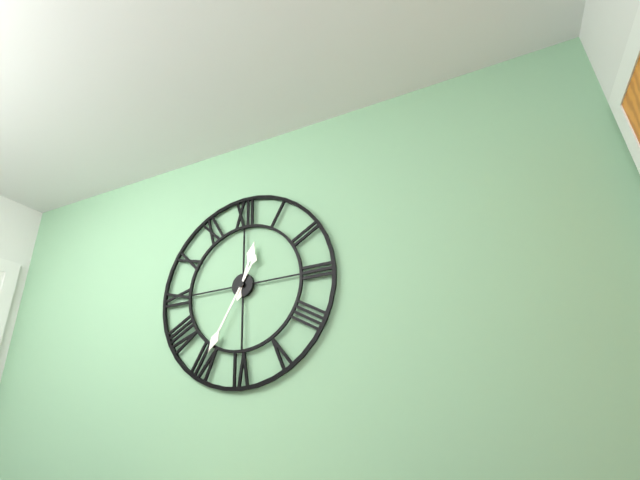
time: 12:35
